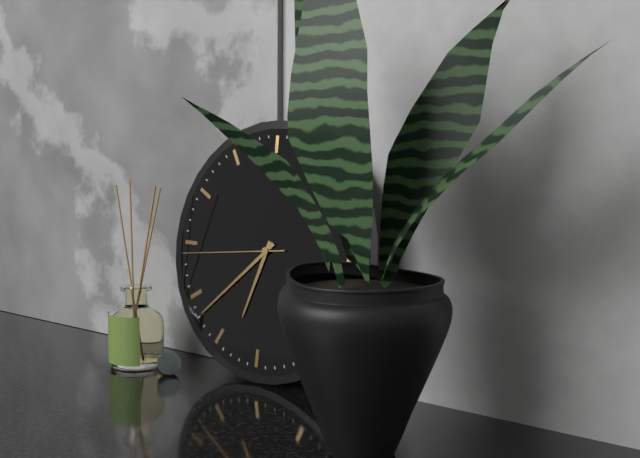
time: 6:38:44
